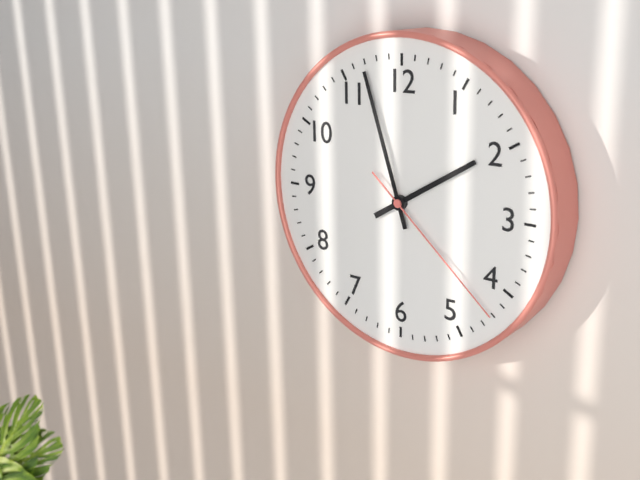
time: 1:57:22
